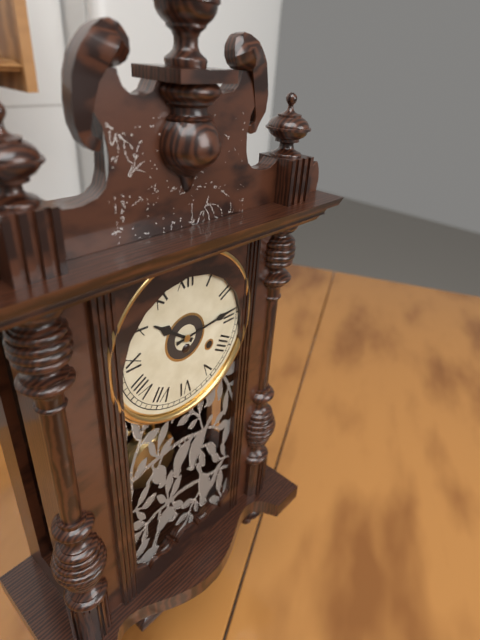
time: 10:14
